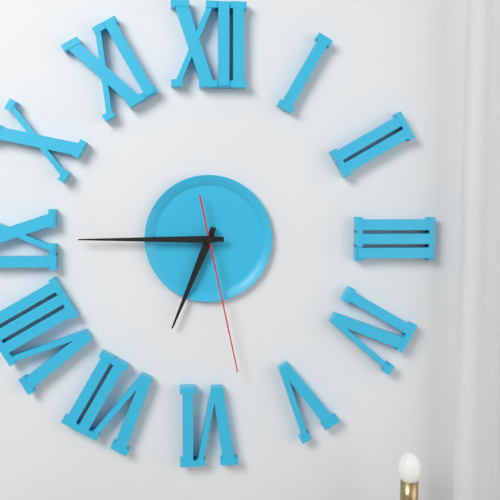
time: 6:45:28
